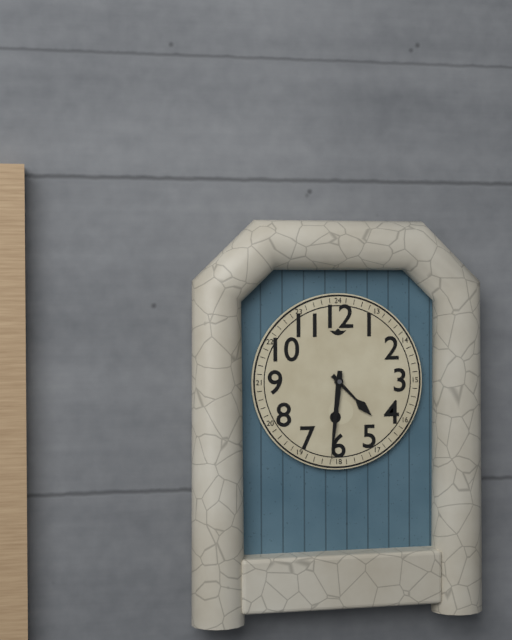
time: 4:31
